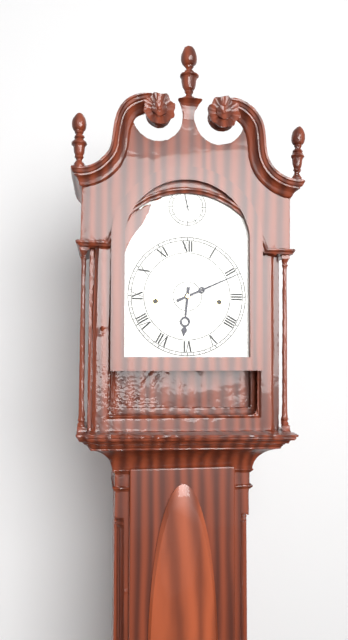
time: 6:11
